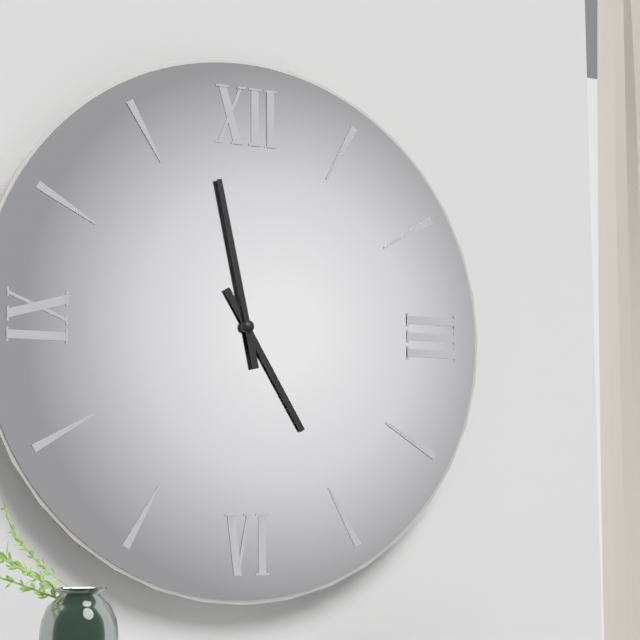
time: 4:58
